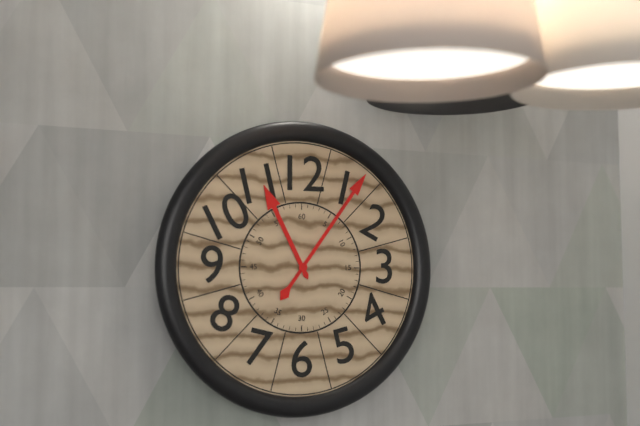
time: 11:06
